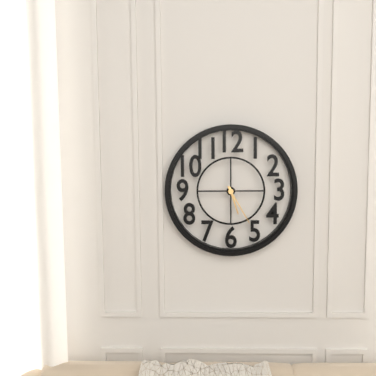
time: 5:25
